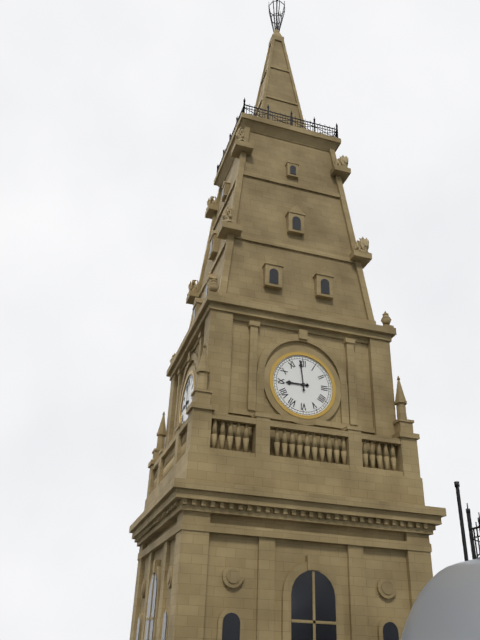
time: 8:59
